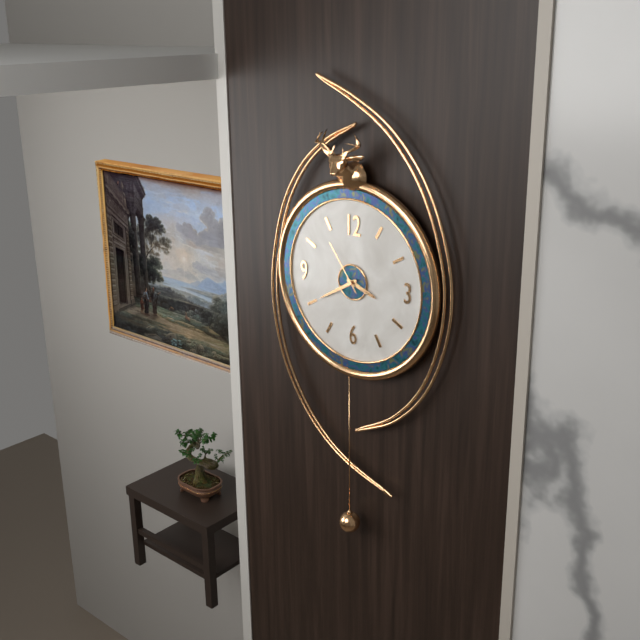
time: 3:40:54
